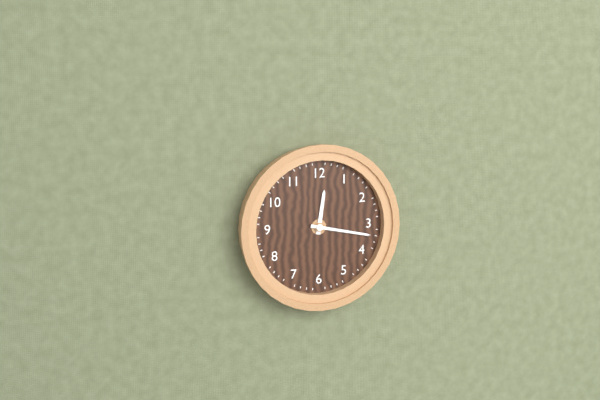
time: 12:17
